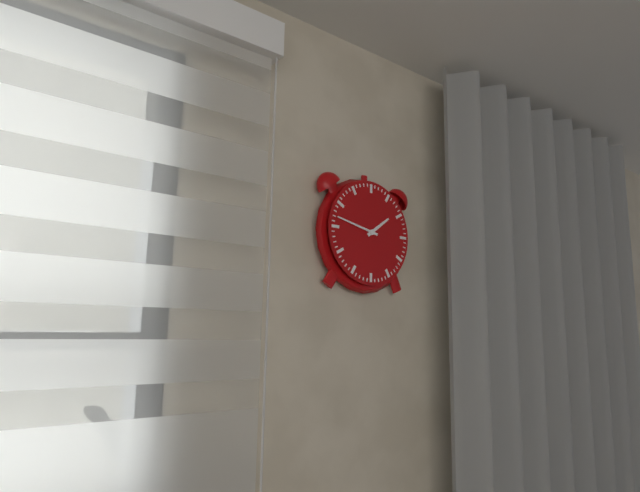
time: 1:47
